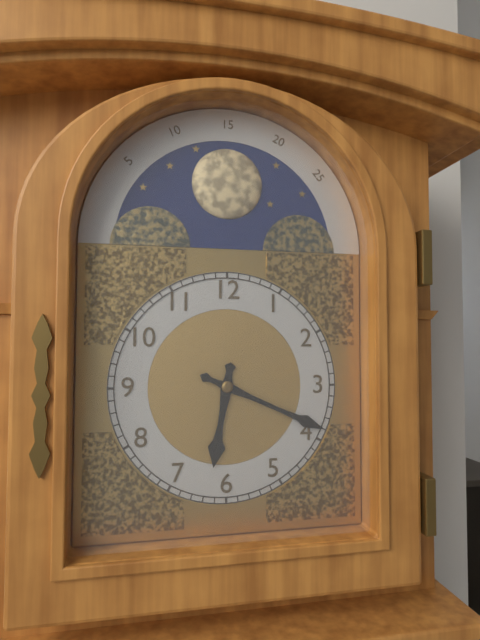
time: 6:19
